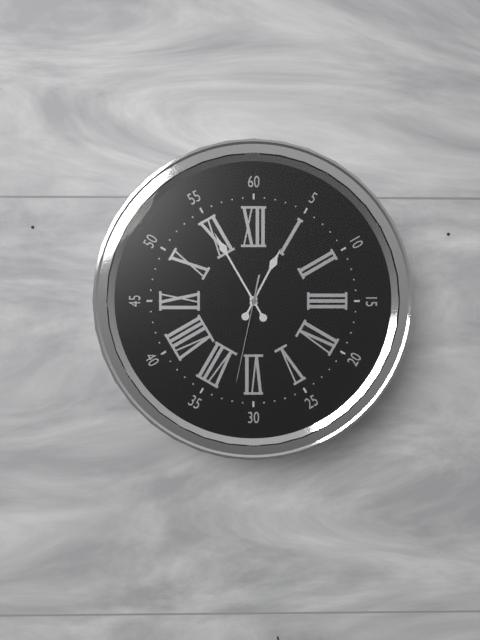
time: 12:55:32
